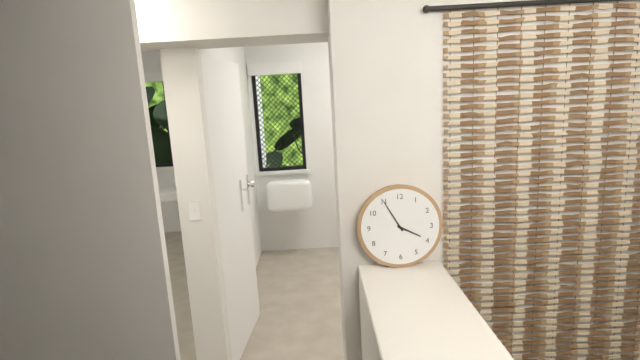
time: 3:55
